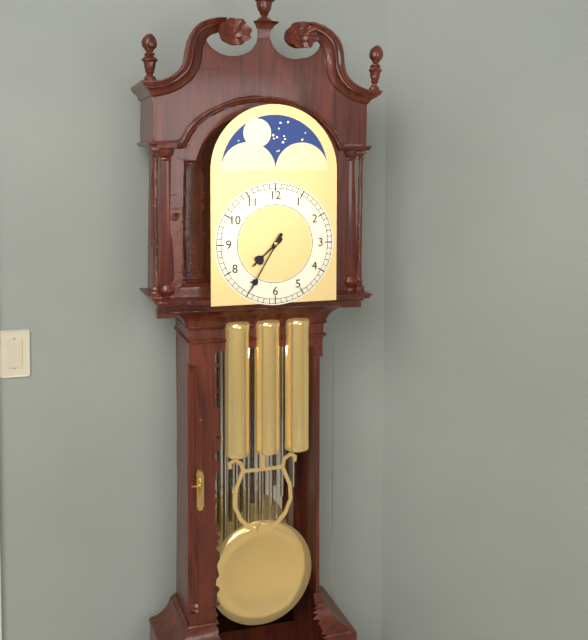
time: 7:35
